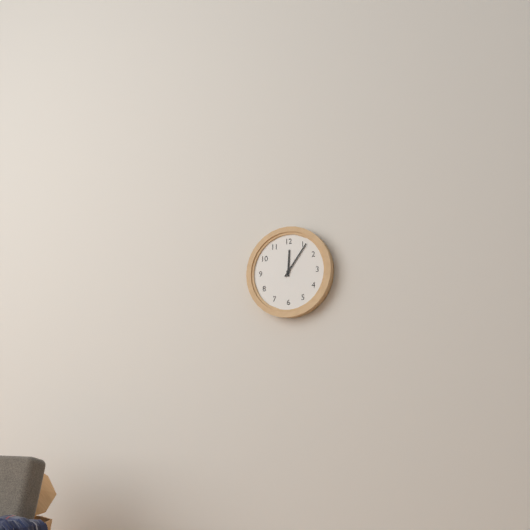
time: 12:06
